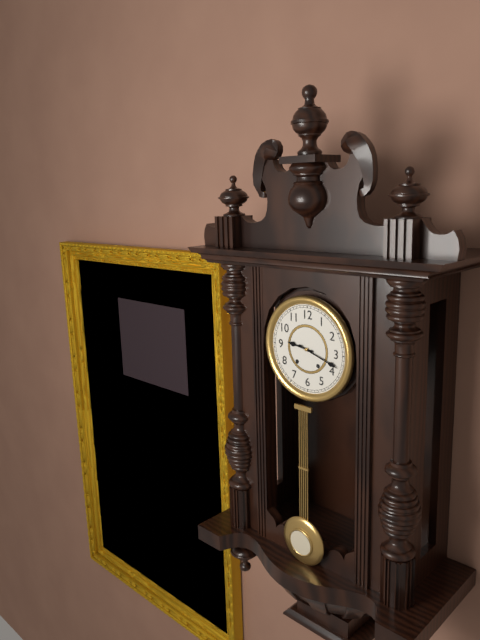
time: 9:18
